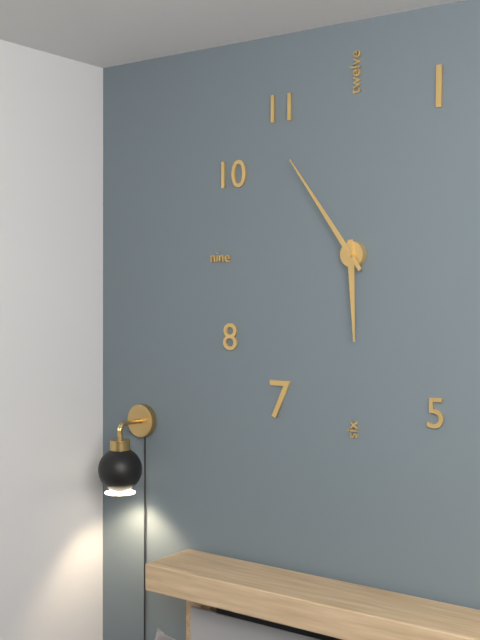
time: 5:54
